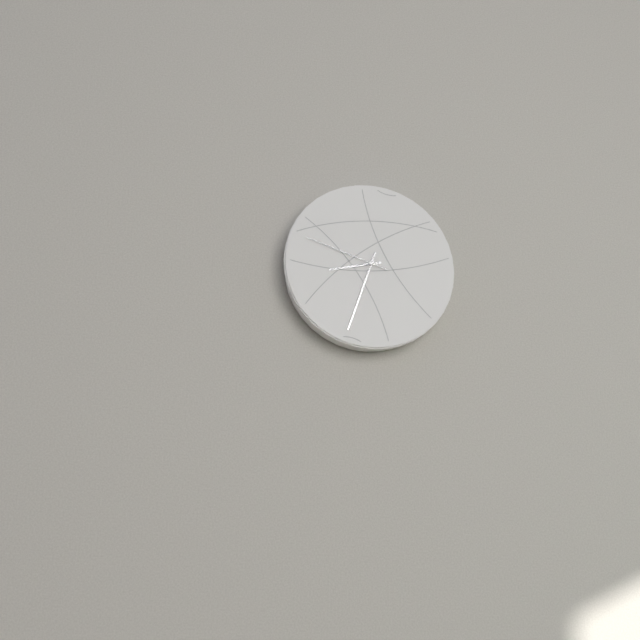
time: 8:33:48
